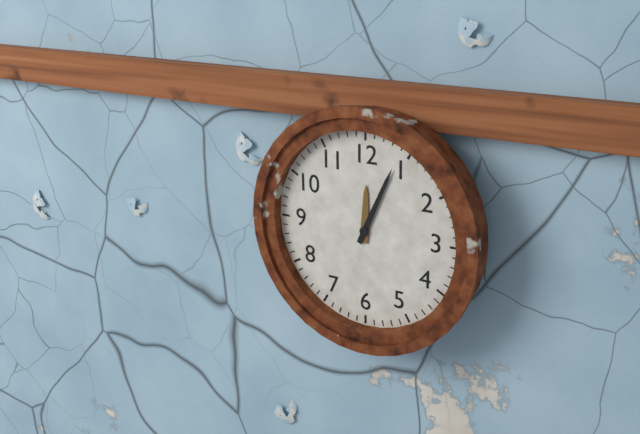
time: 12:04
